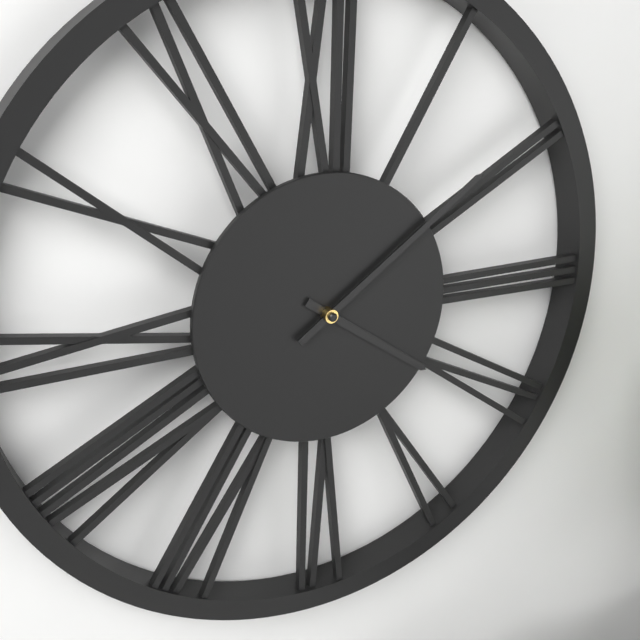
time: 4:09
